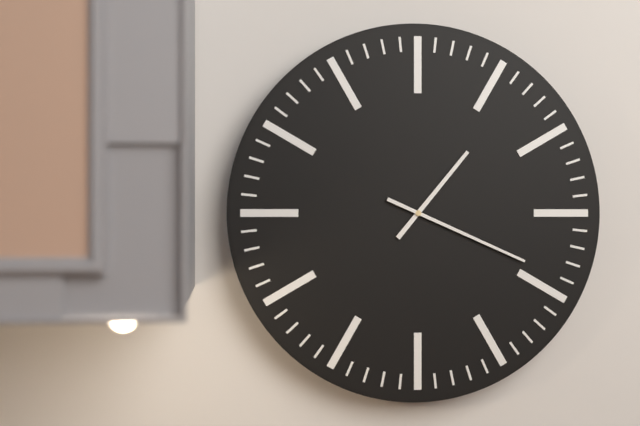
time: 1:19
